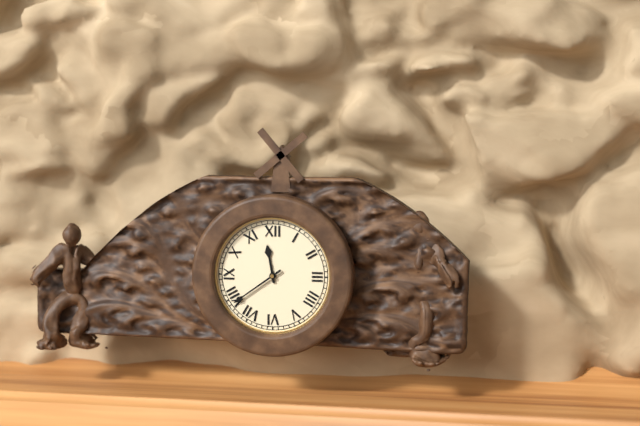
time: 11:39
